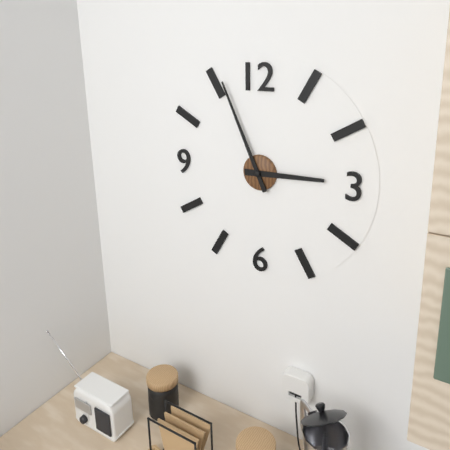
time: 2:56
